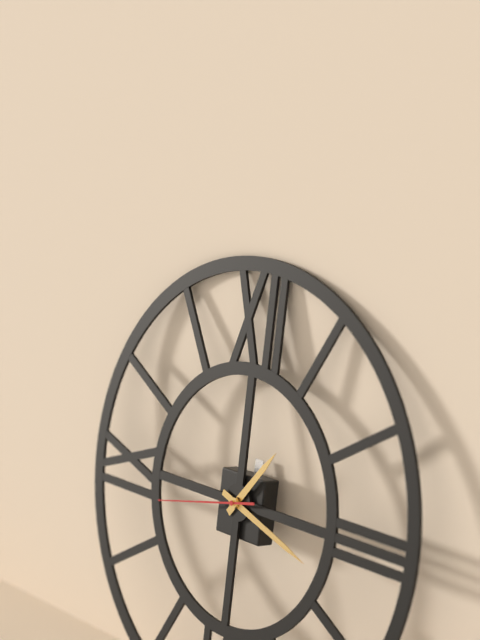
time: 1:18:43
